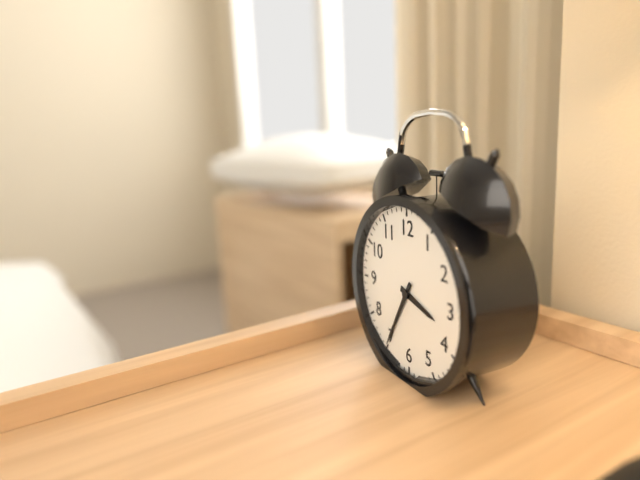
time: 3:35
